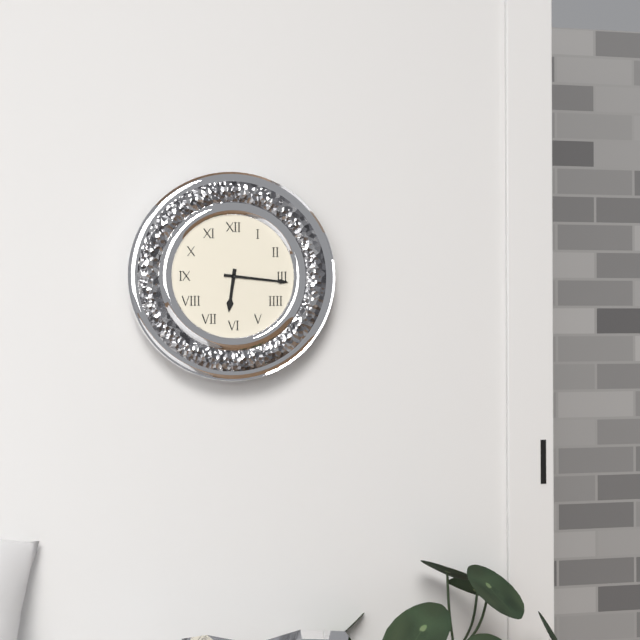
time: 6:16
